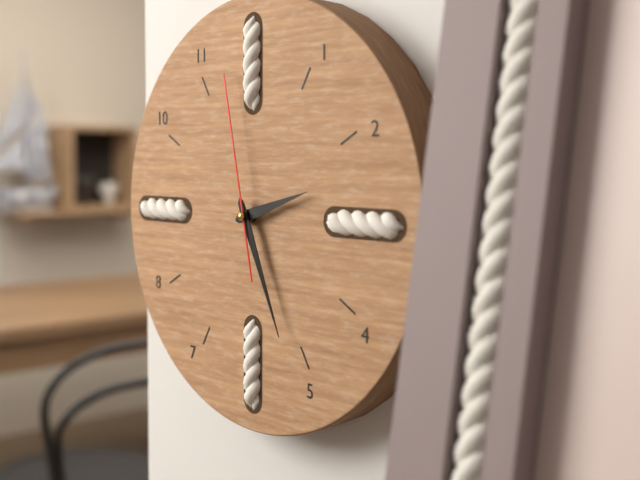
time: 2:26:58
